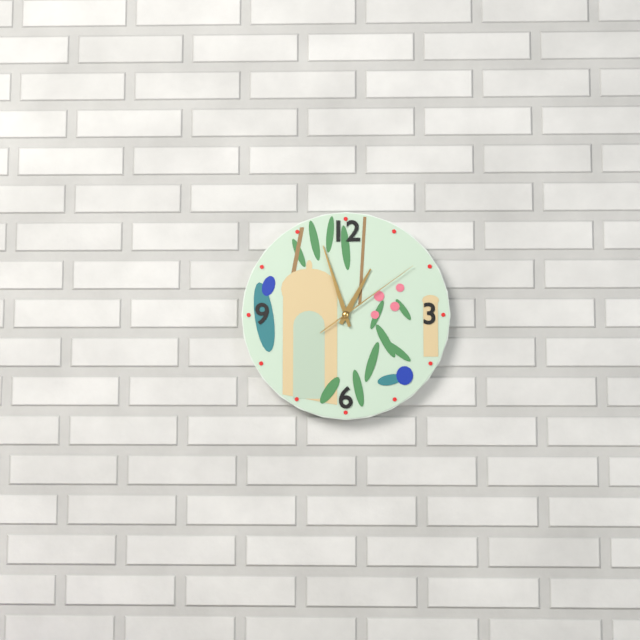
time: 12:57:09
